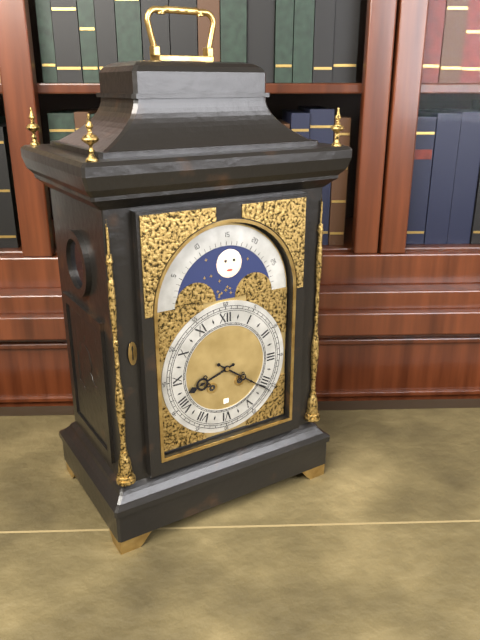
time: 8:21
